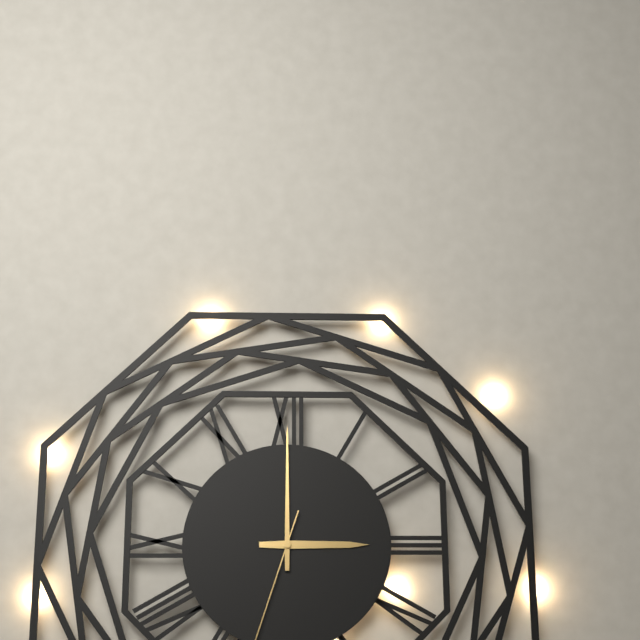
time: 3:00
